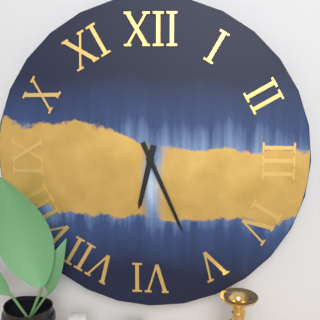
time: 6:26
